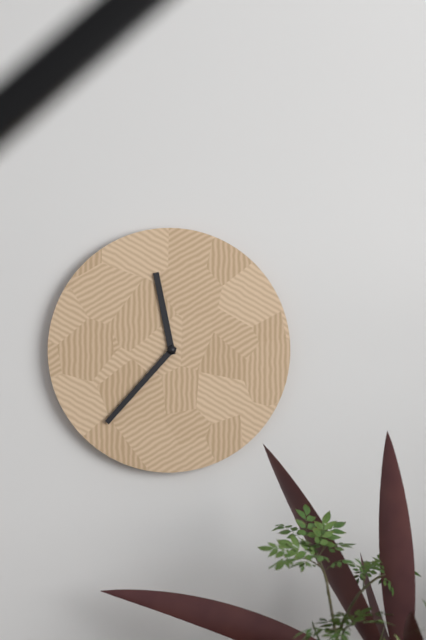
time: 11:37
